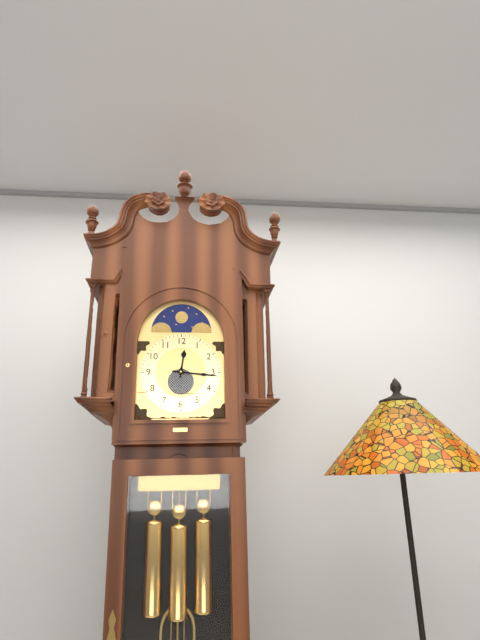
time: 12:16
